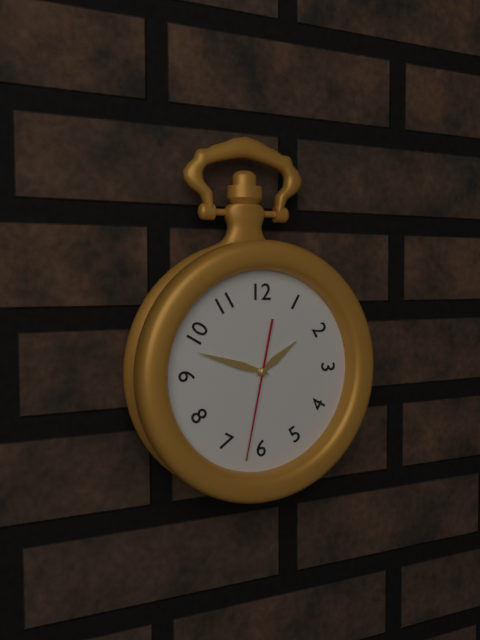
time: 1:48:32
